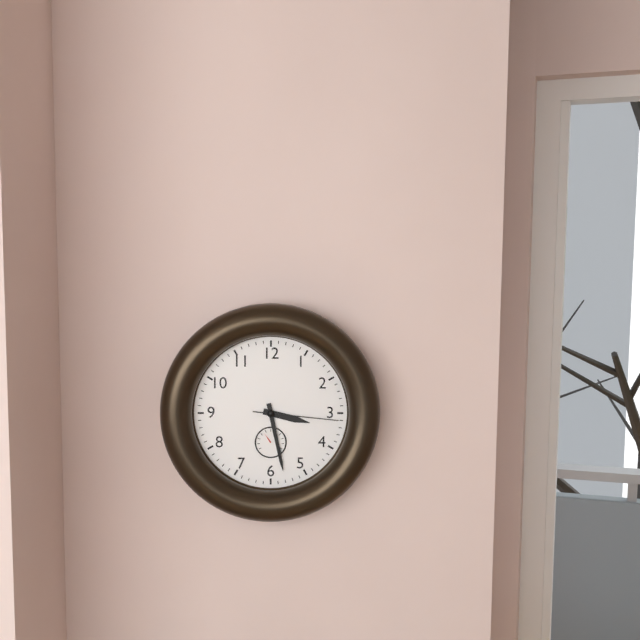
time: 3:28:16
